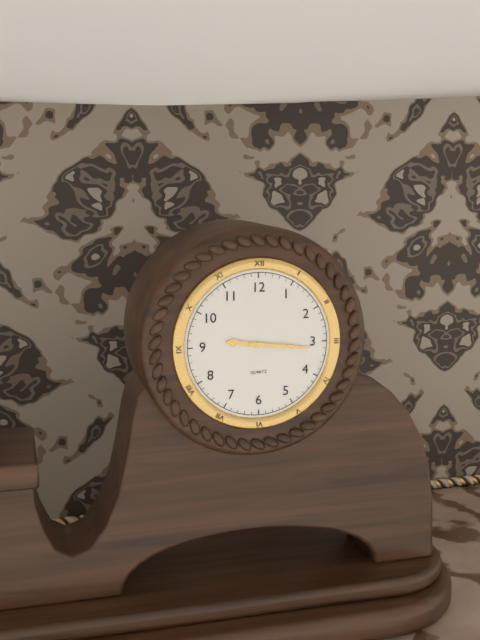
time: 9:16
